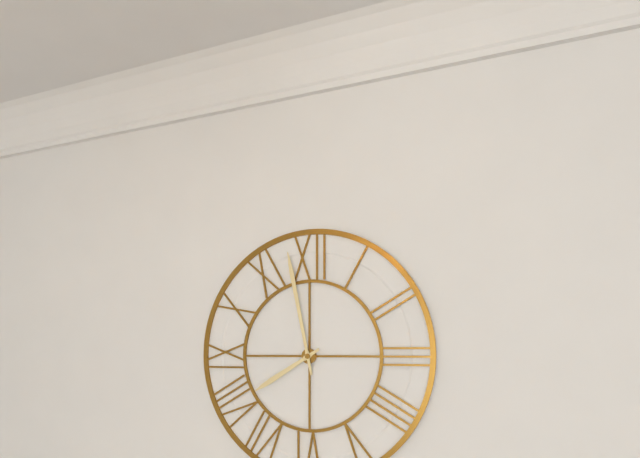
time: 7:58
